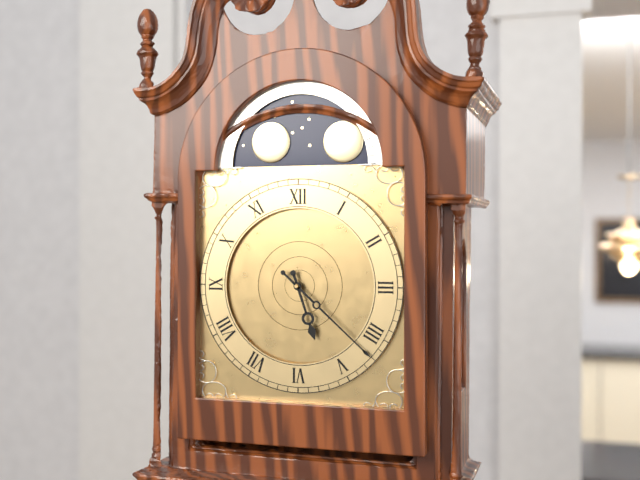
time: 5:22
